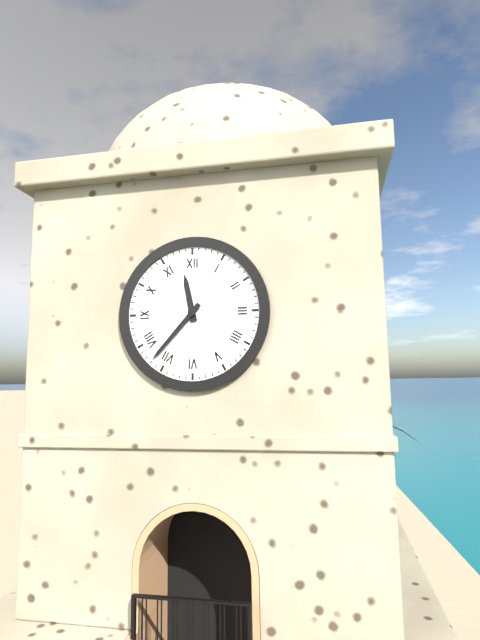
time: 11:37
